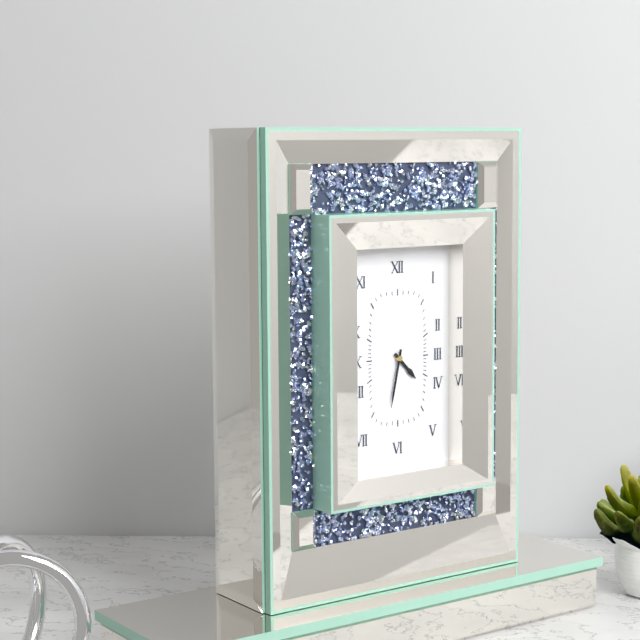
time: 4:32
